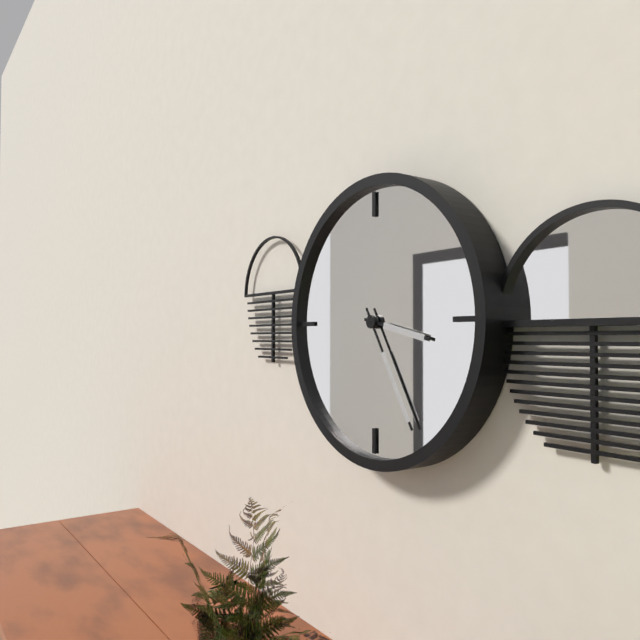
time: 3:25
